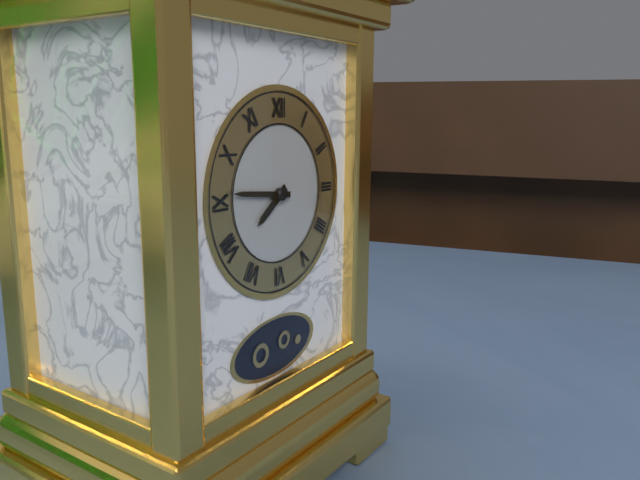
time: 7:46
